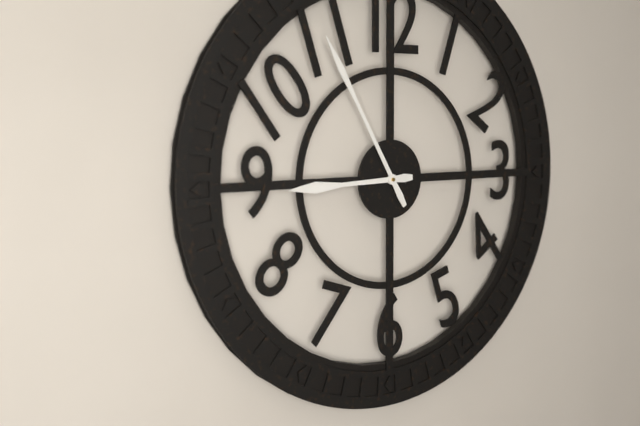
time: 8:55
